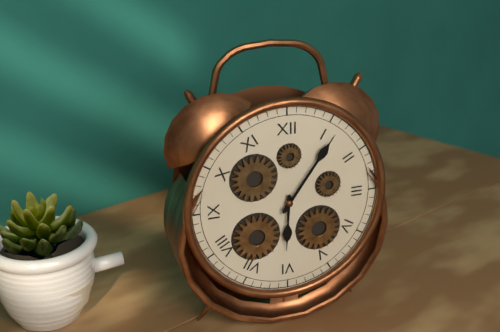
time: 6:06
